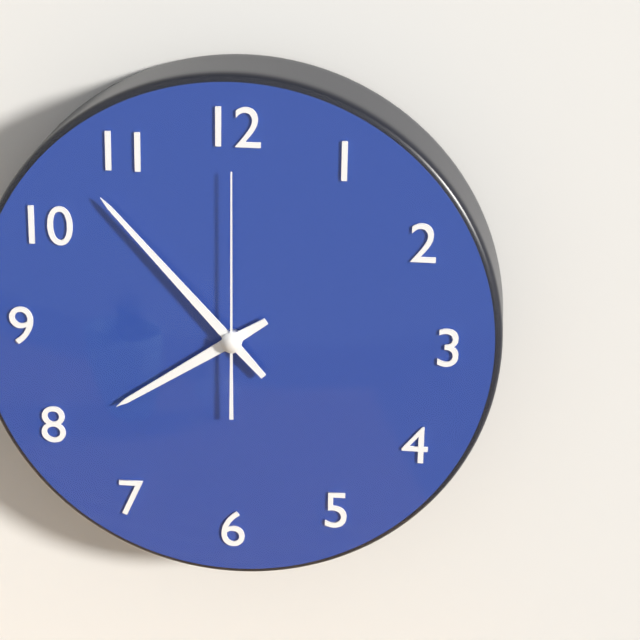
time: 7:53:00
